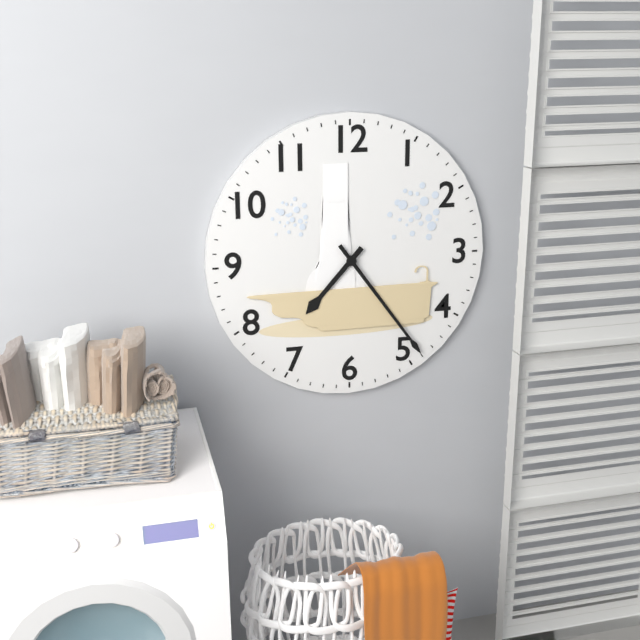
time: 7:24
